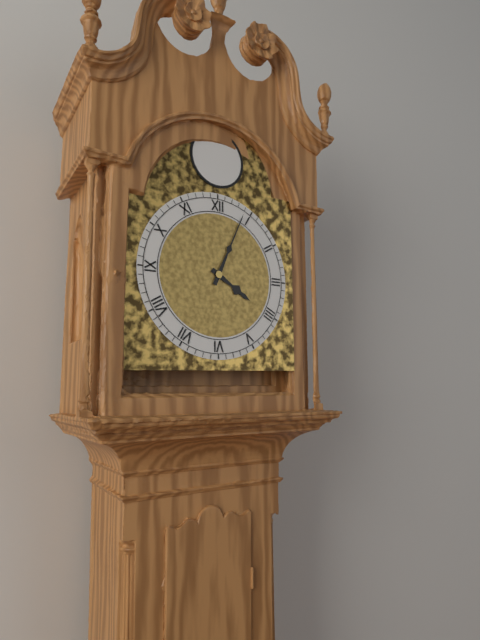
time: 4:04
